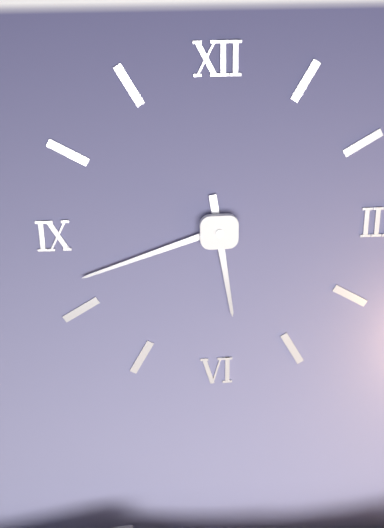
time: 5:42
